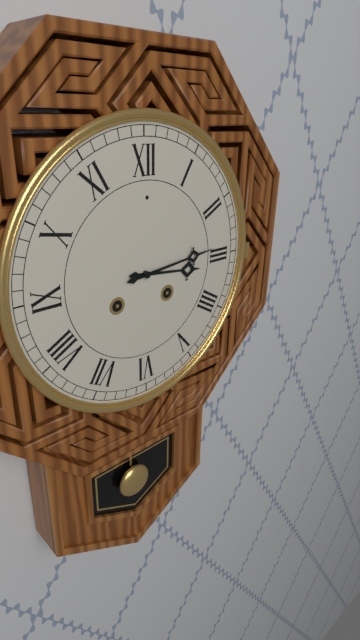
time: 3:14
